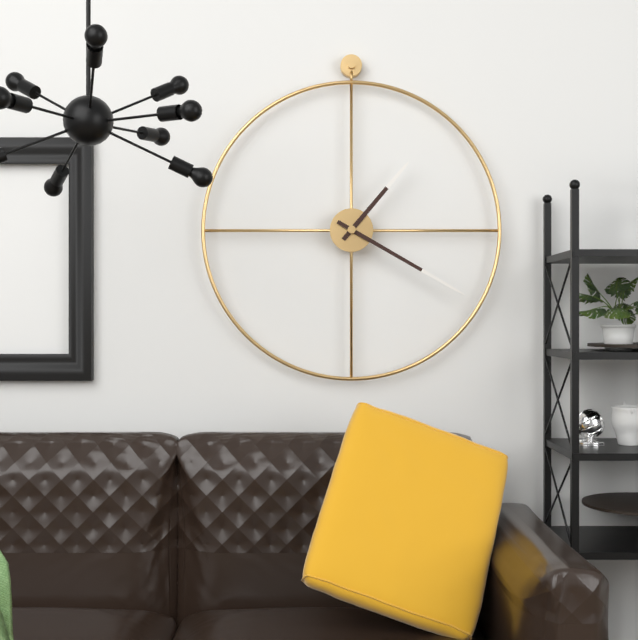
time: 1:20
